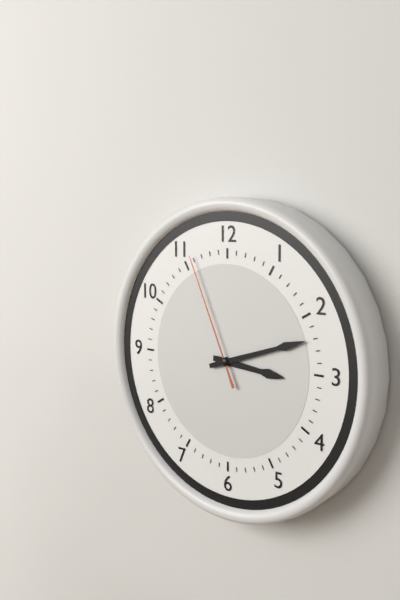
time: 3:12:56
